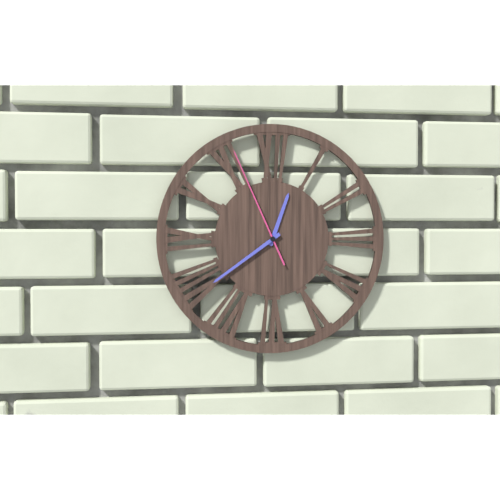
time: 12:39:56
